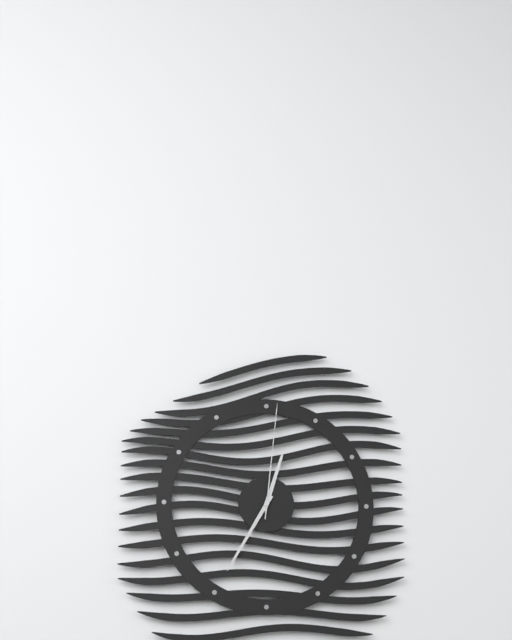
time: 12:35:01
